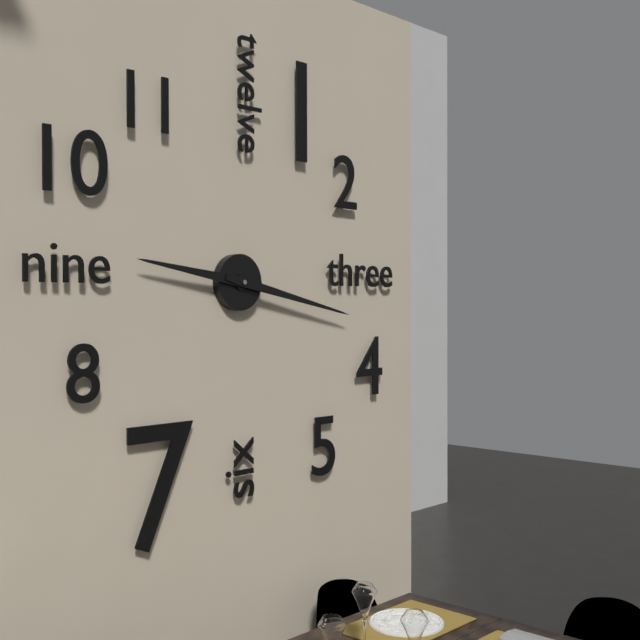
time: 9:17
